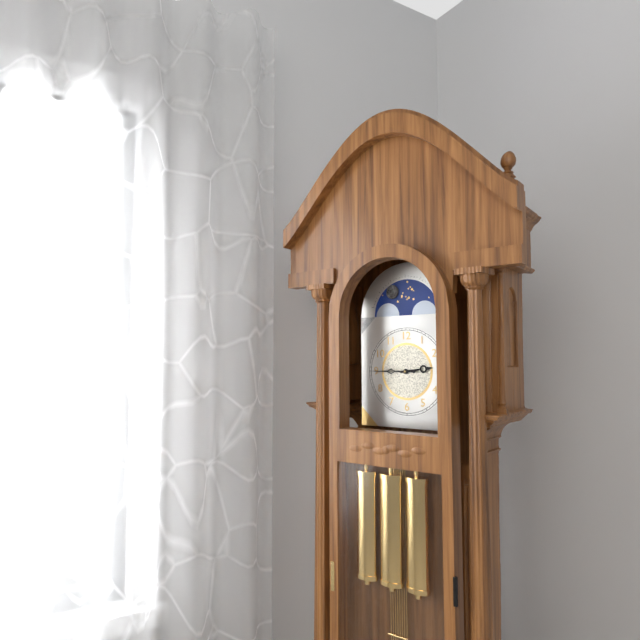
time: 2:45
